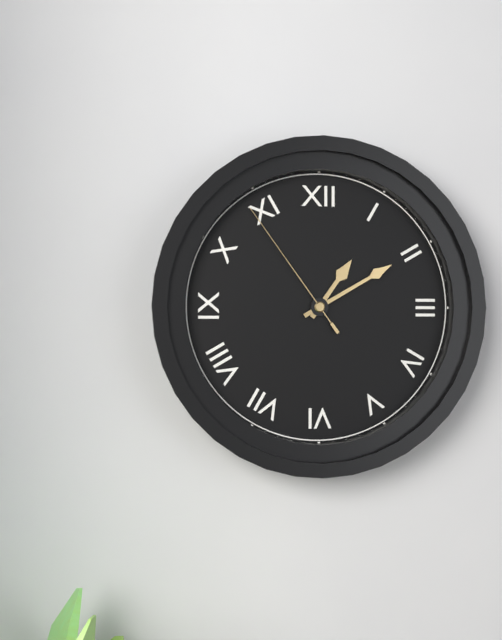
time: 1:10:54
